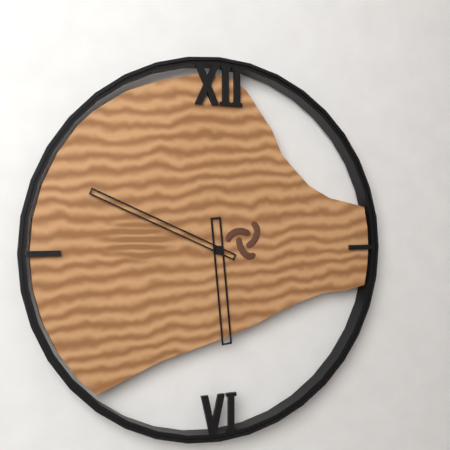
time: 5:49
